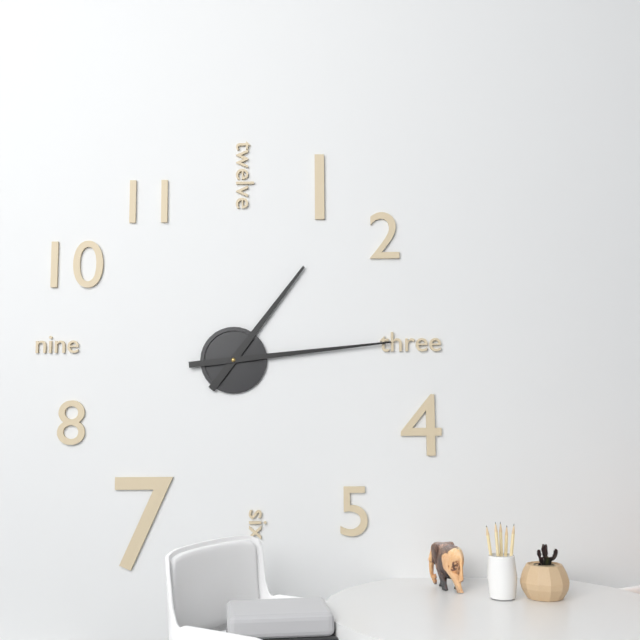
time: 1:14
